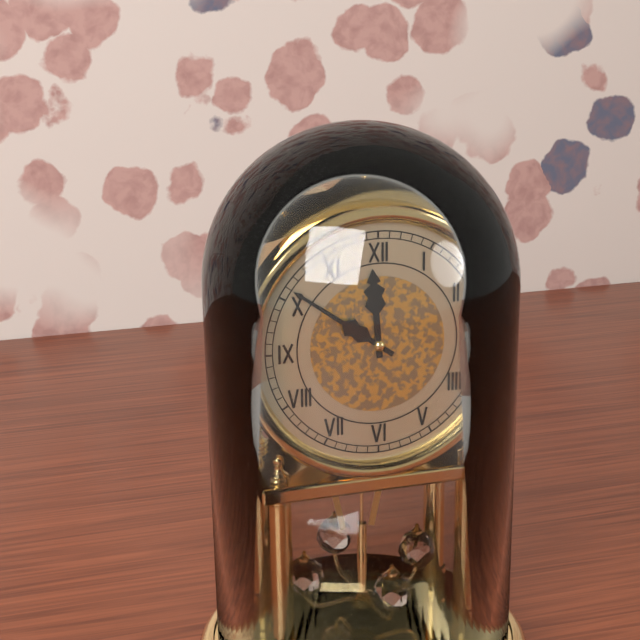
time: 11:51
